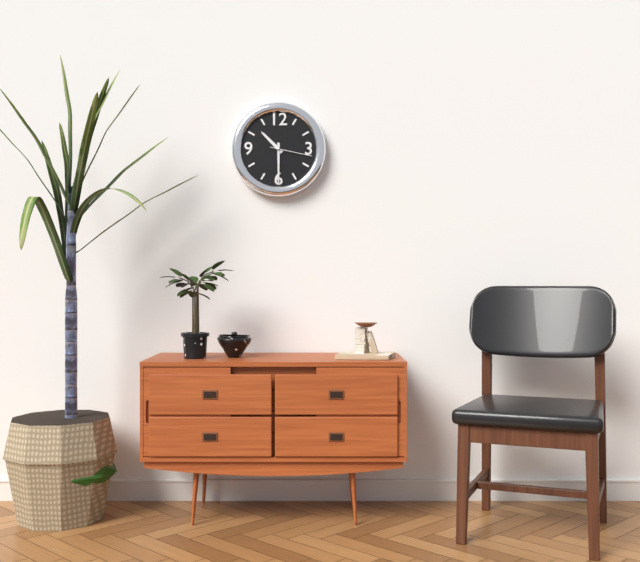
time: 10:30
